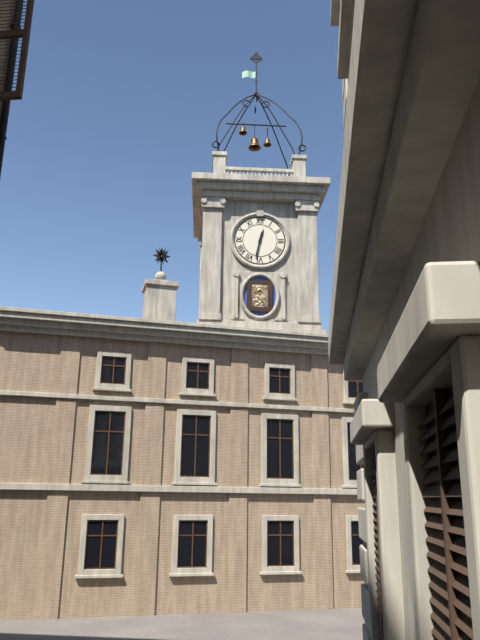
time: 12:32
